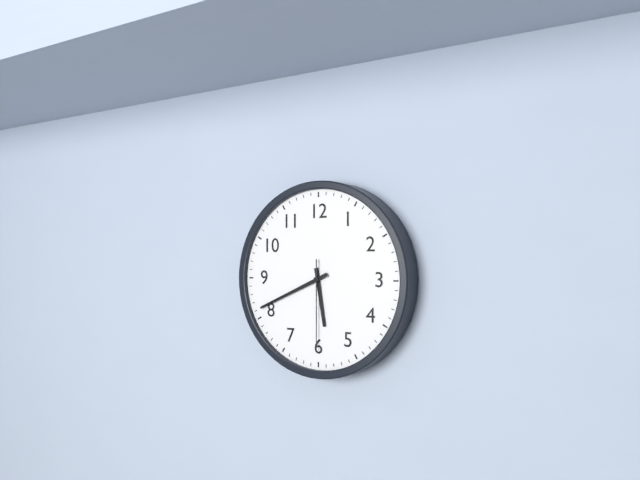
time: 5:41:30
